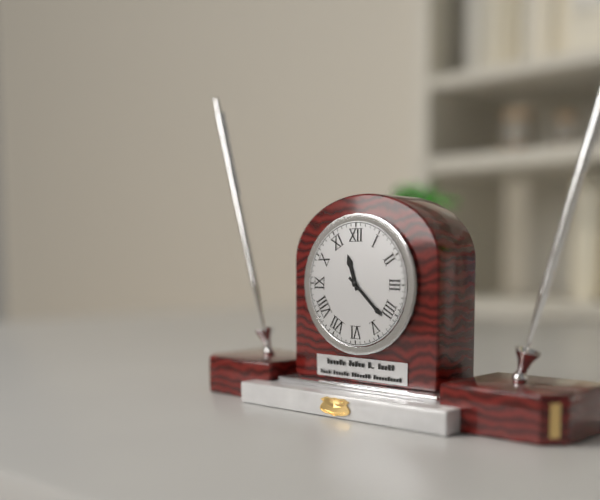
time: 11:22
